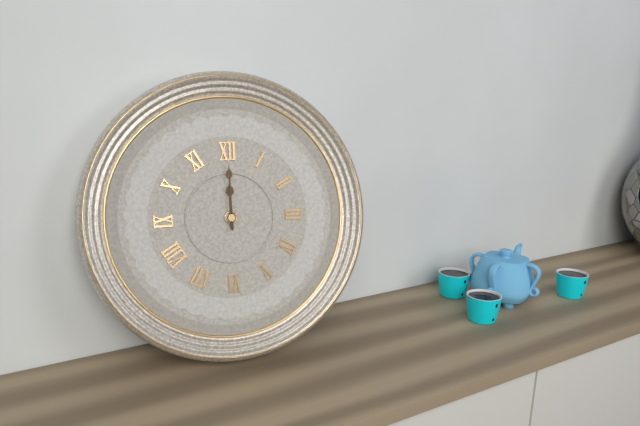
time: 12:00
